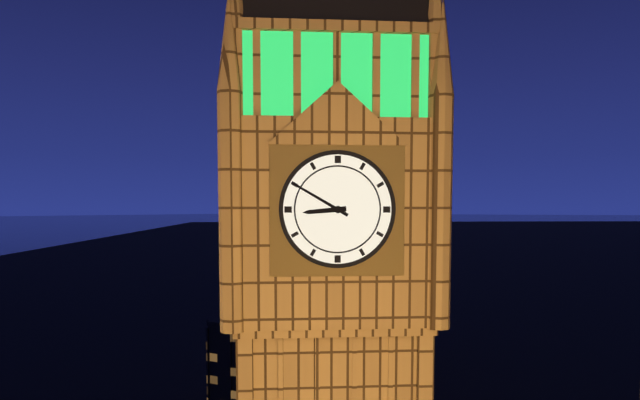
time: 8:50
